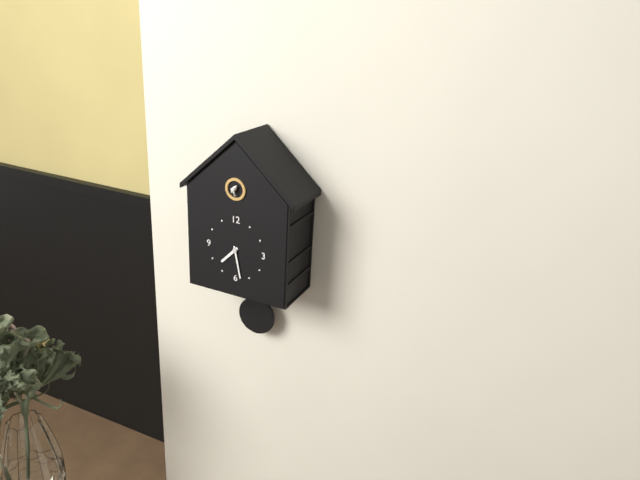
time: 7:28
